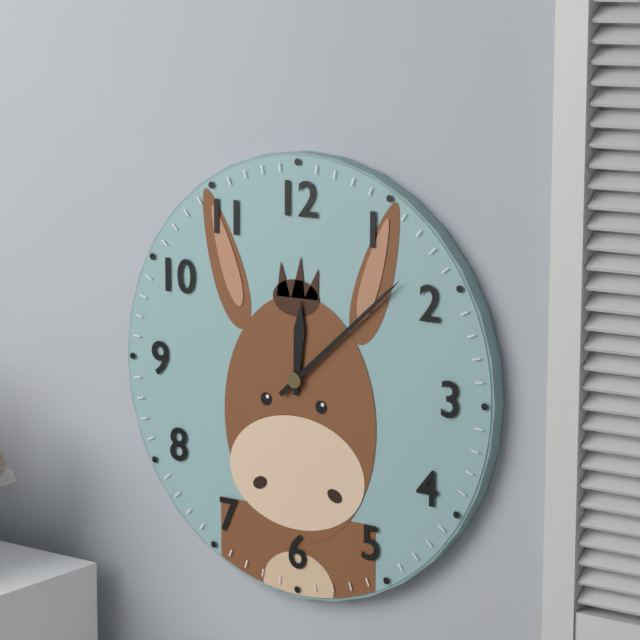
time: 12:08
